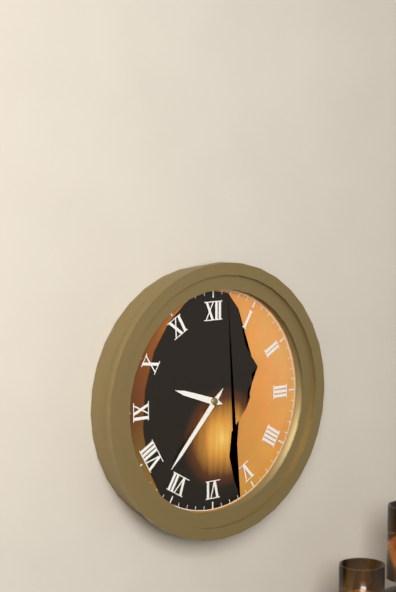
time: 9:37
